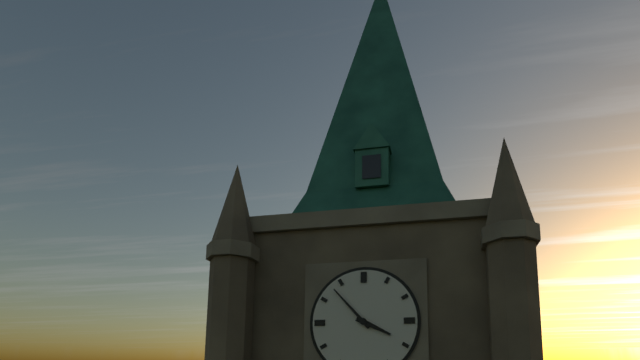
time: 3:53
